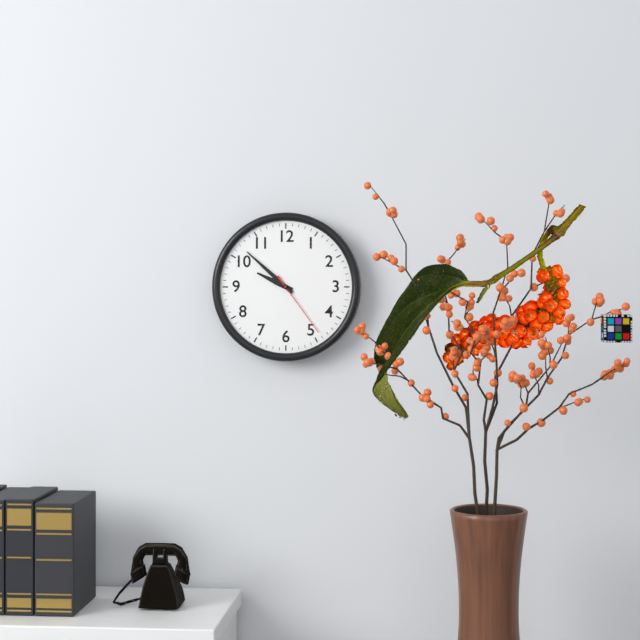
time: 9:52:24
